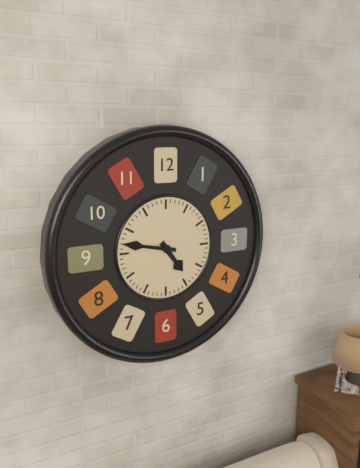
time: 4:47
